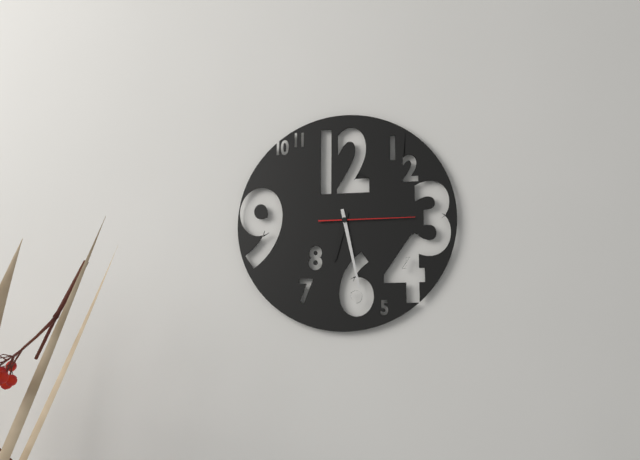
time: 6:28:15
